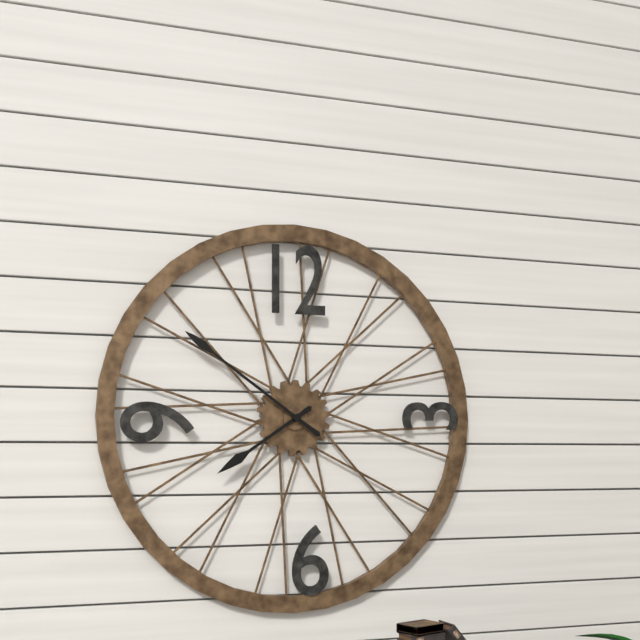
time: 7:51
